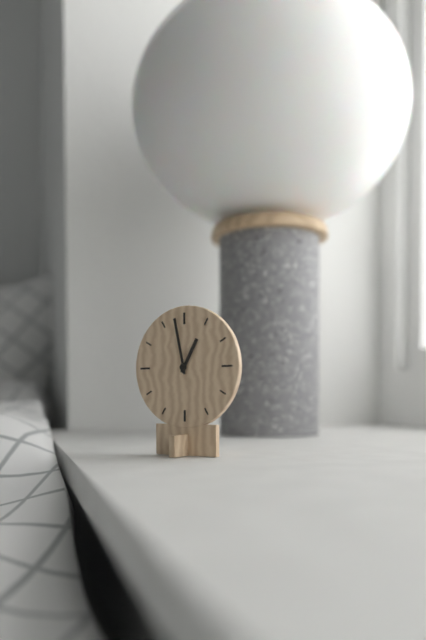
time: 12:58
